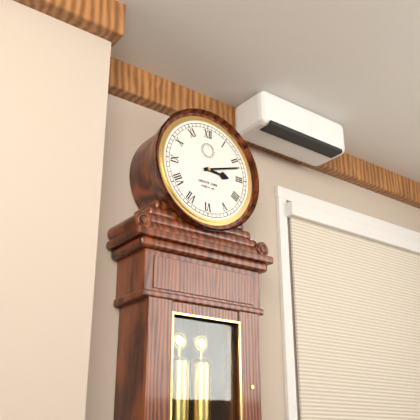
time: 3:12
